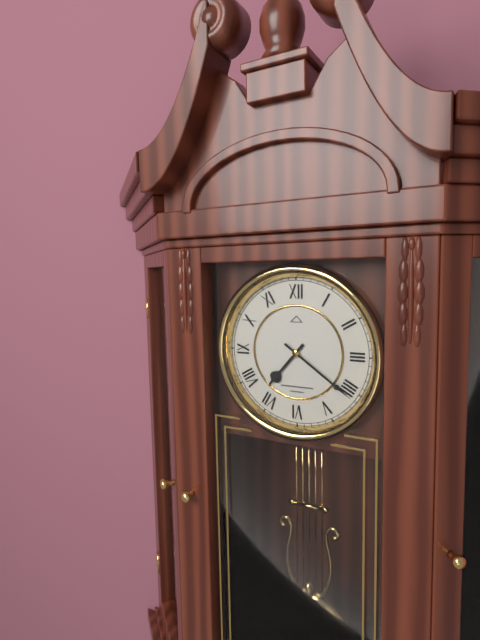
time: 7:21
